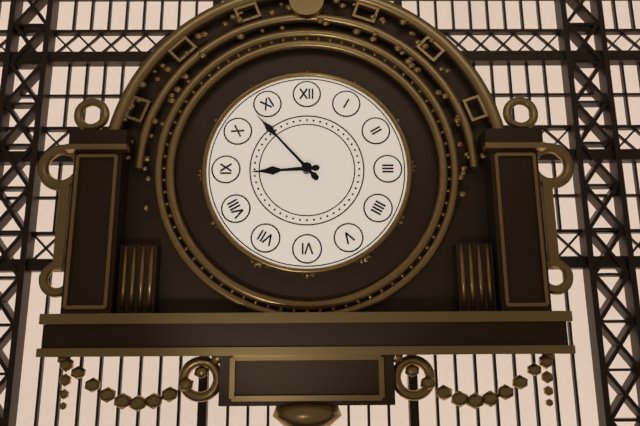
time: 8:53
